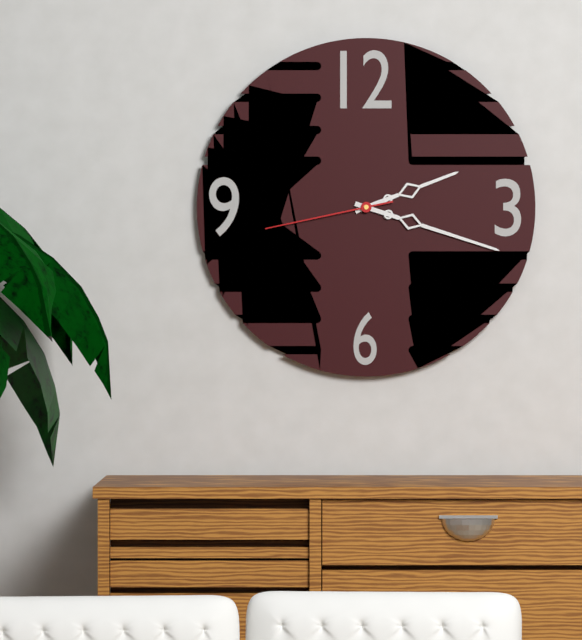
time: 2:18:43
